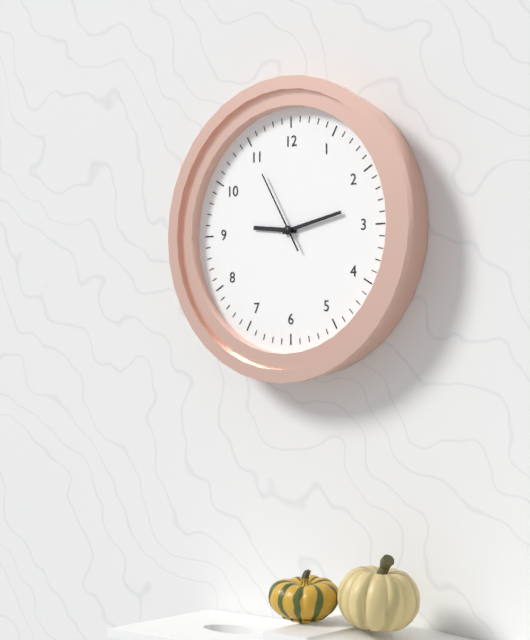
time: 9:13:55
